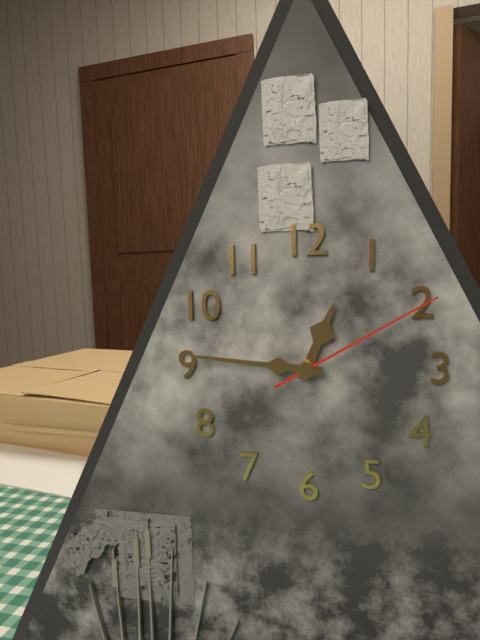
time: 12:46:10
